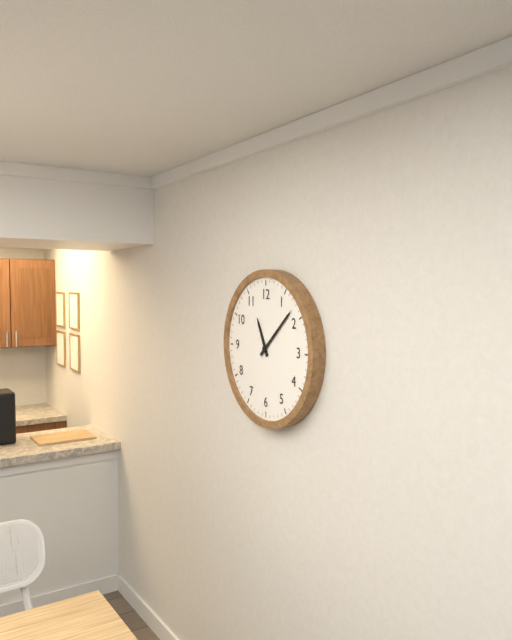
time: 11:08
